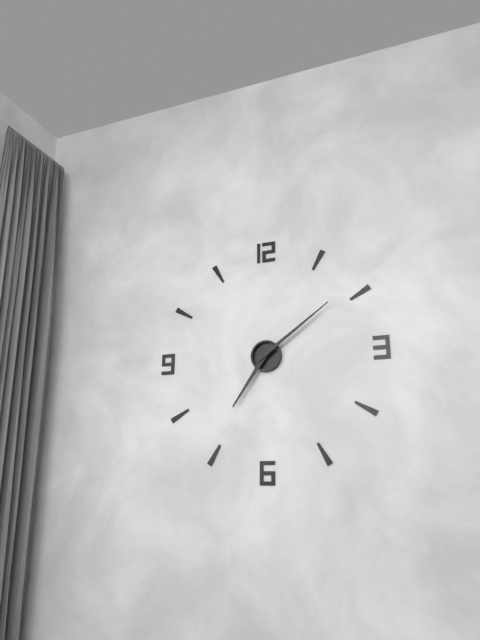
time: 7:09
